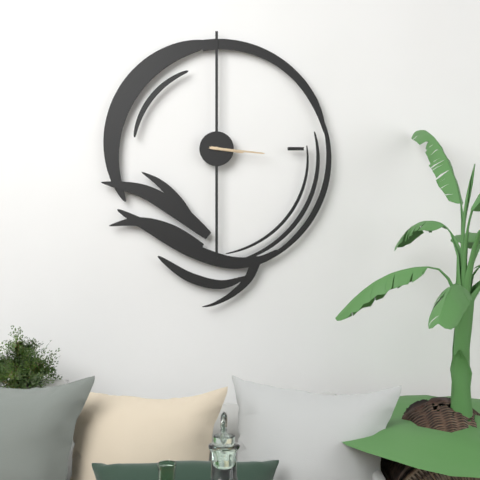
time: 3:16
